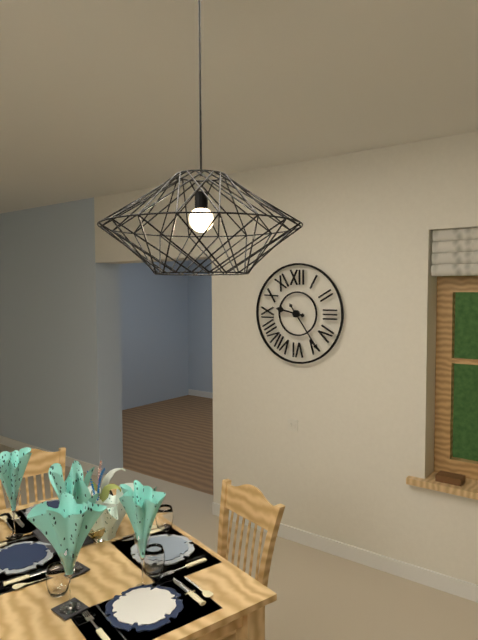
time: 9:24
